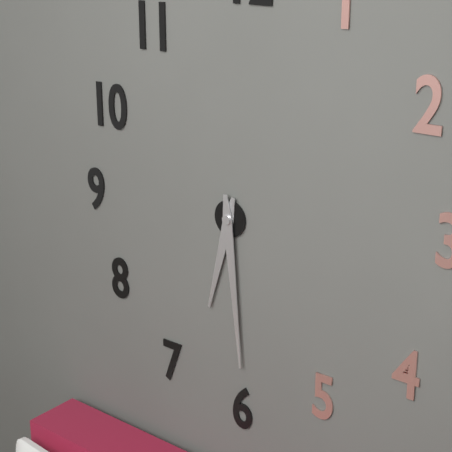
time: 6:29
